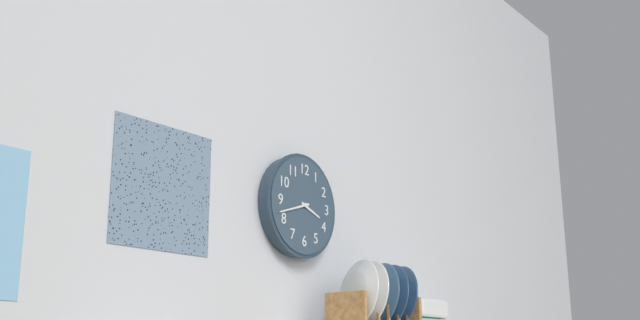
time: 3:42
